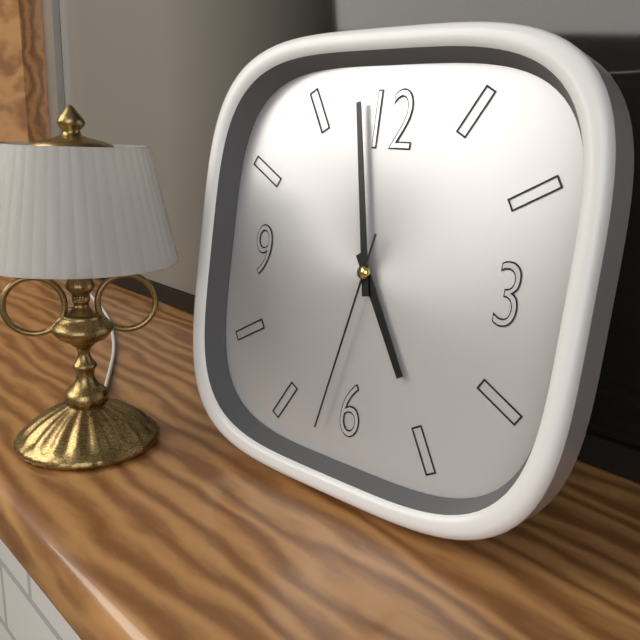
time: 4:58:32
